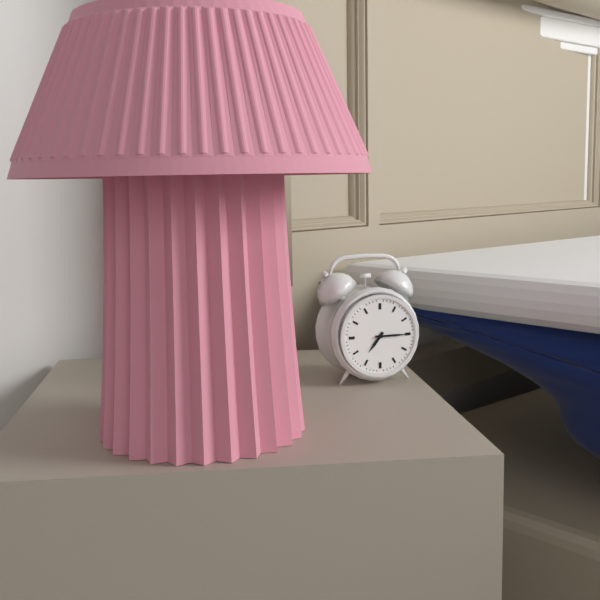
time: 7:15
